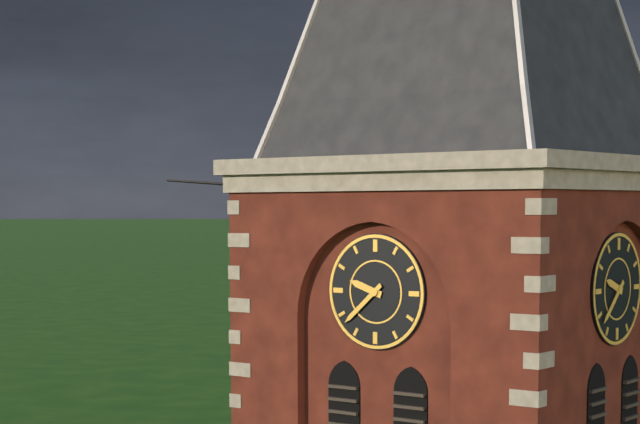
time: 9:38
